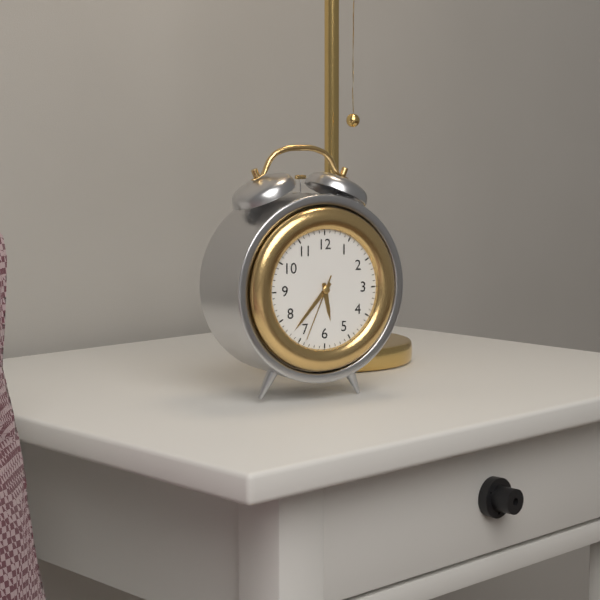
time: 5:37:34
